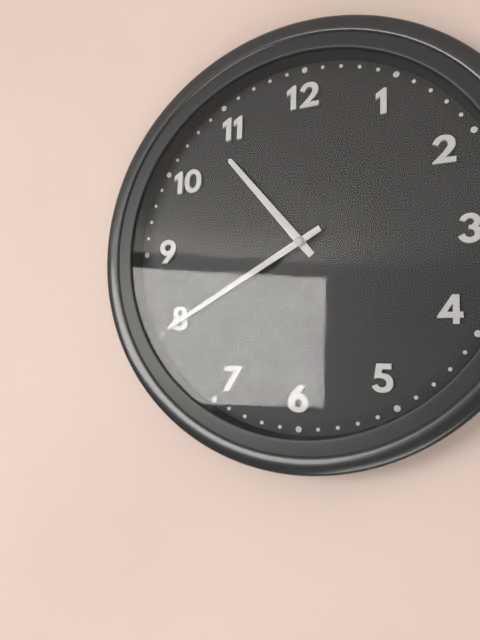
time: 10:40
